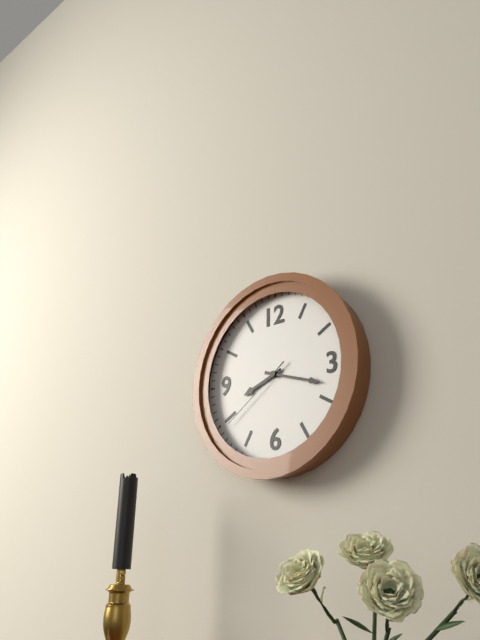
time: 8:18:39
